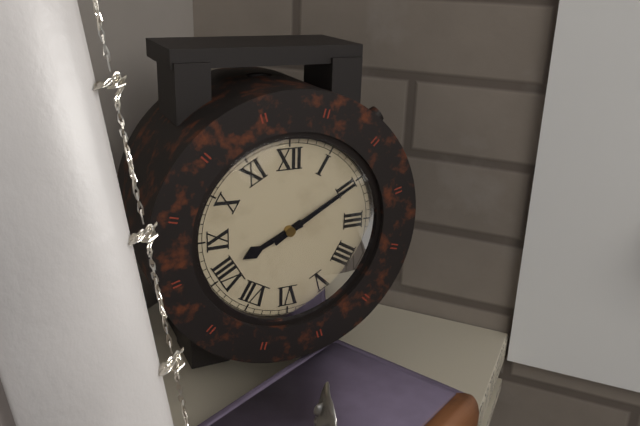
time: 8:10
